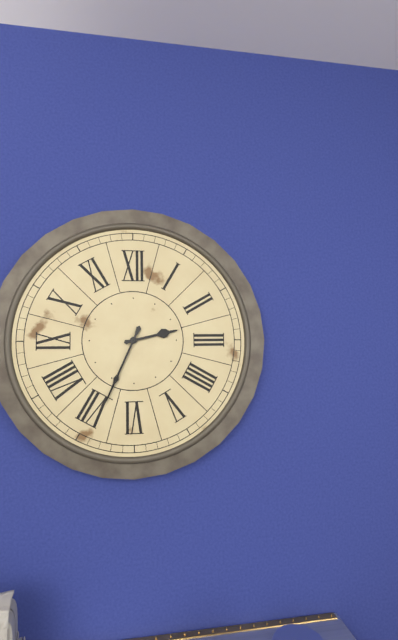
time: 2:34
